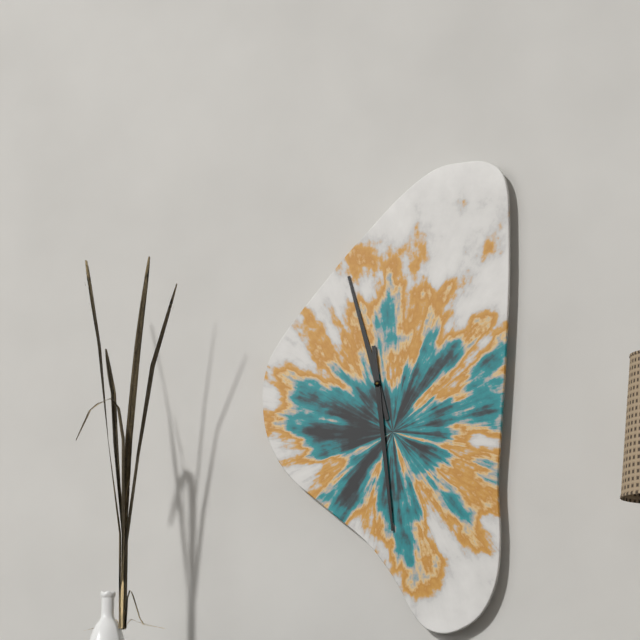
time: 11:29
